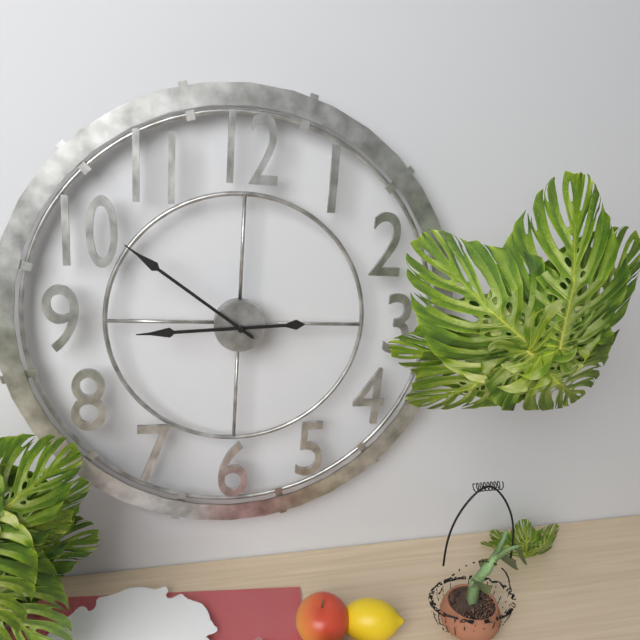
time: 8:51
